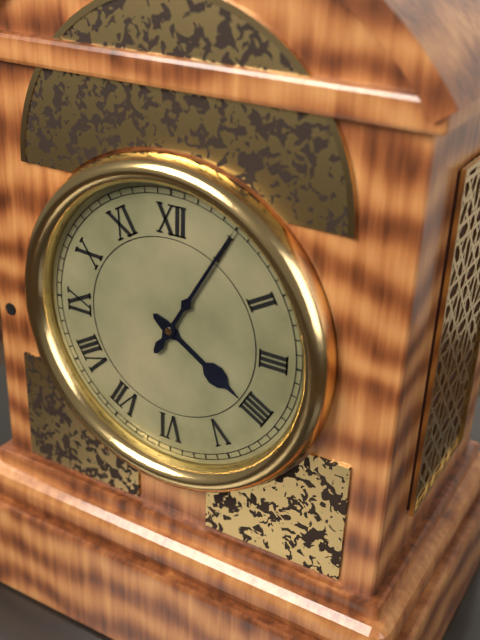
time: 4:05
